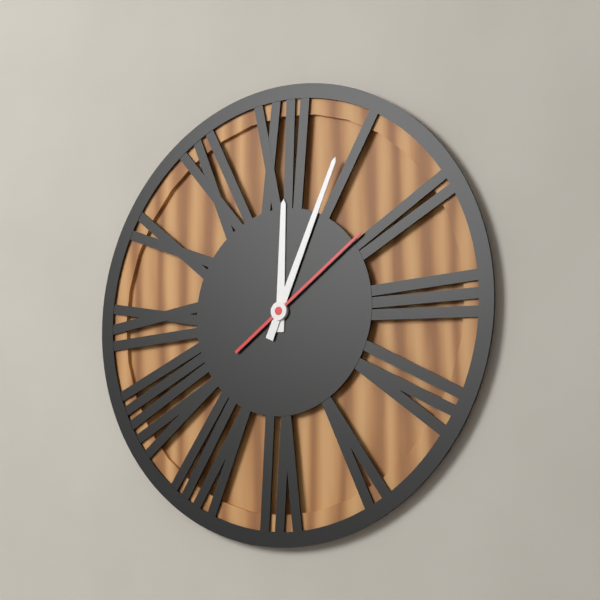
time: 12:04:09
